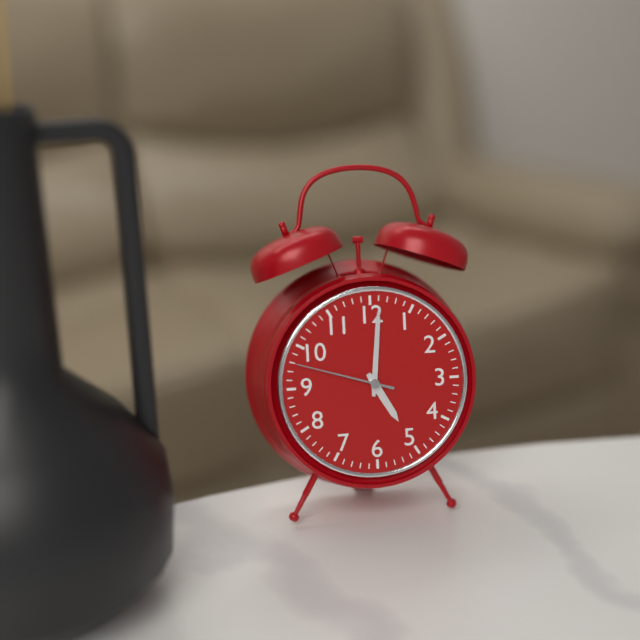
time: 5:01:48
